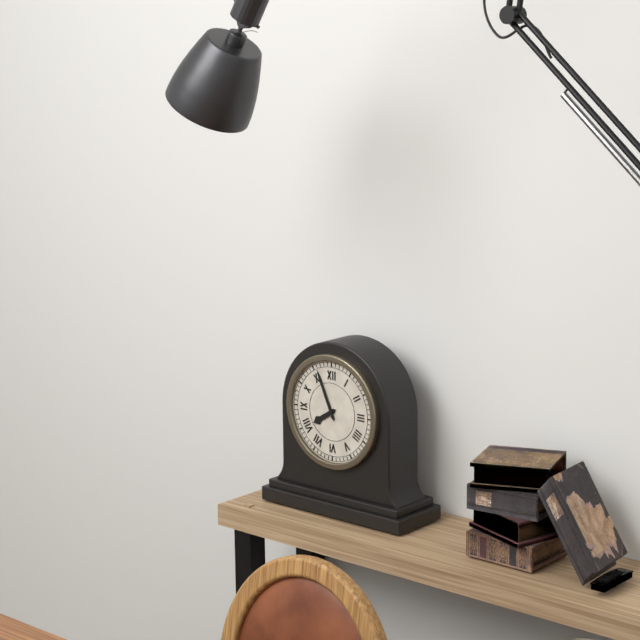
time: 7:56
